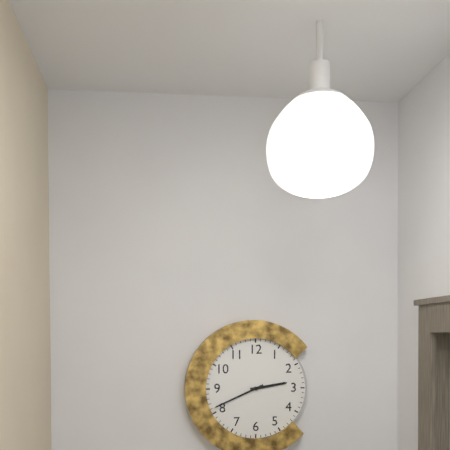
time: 2:41
